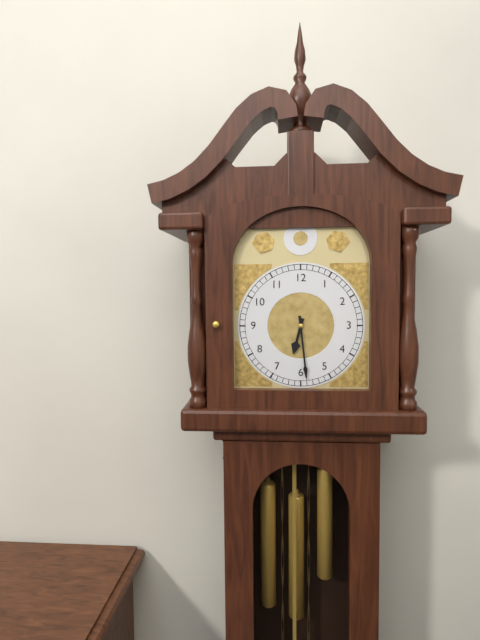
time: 6:29
